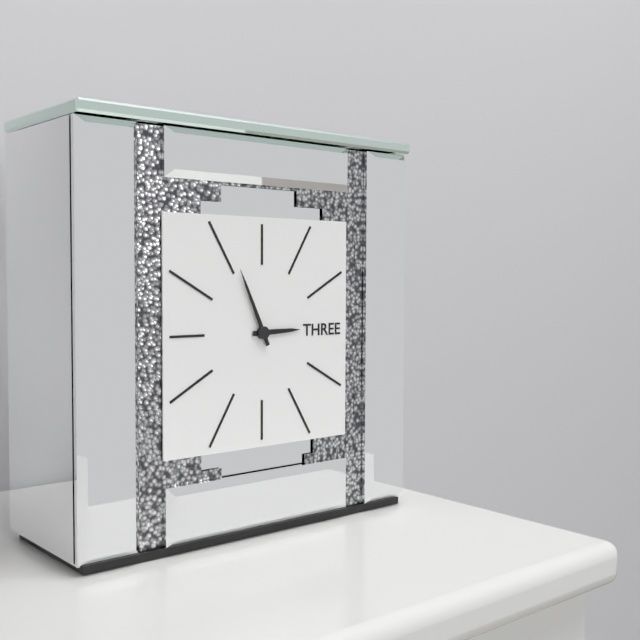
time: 2:56
